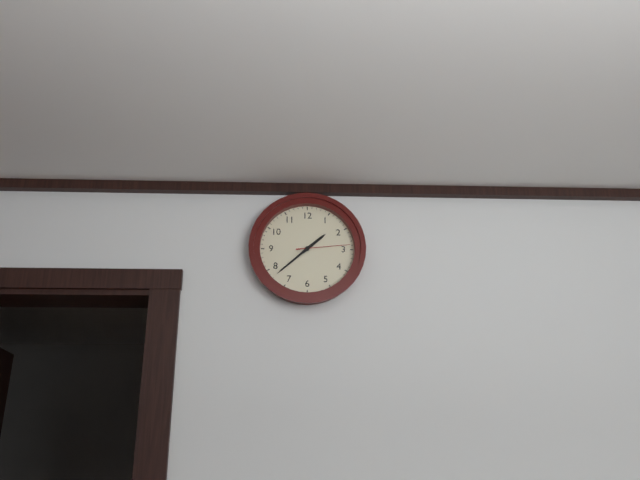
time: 1:38:14
